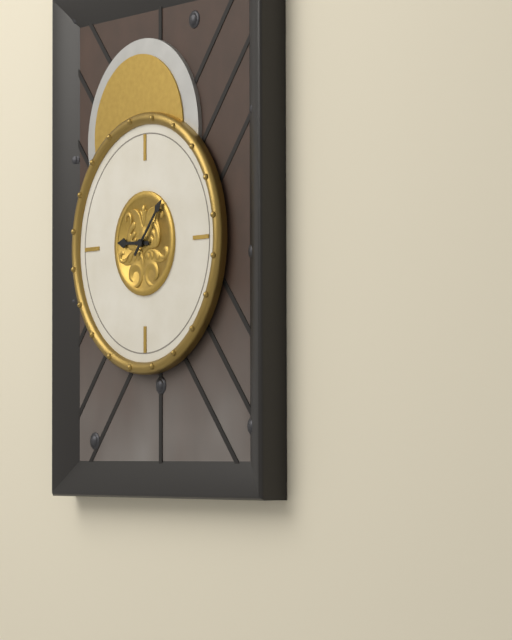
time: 9:07
